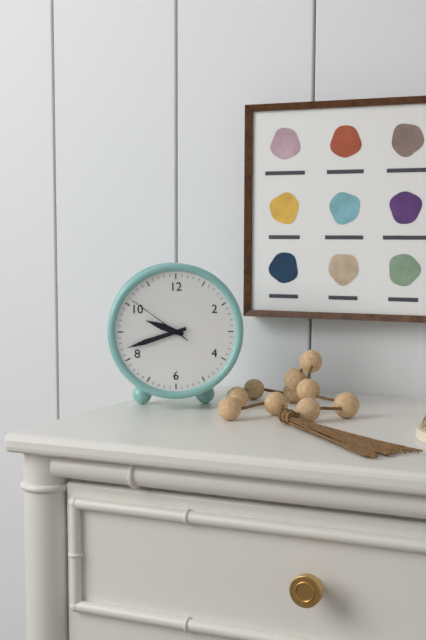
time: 9:42:51
